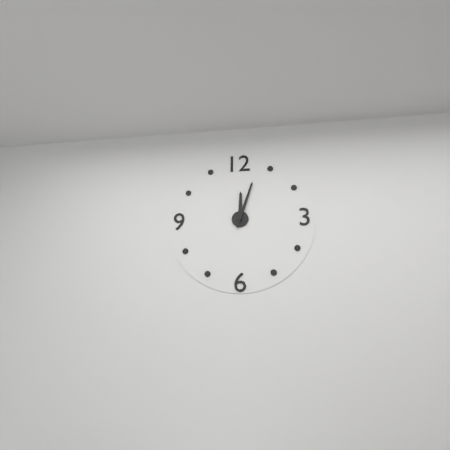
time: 12:03
